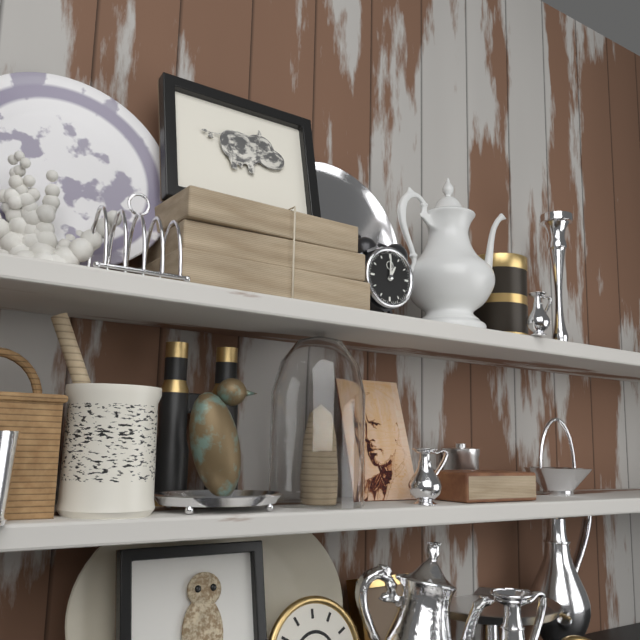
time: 1:00
